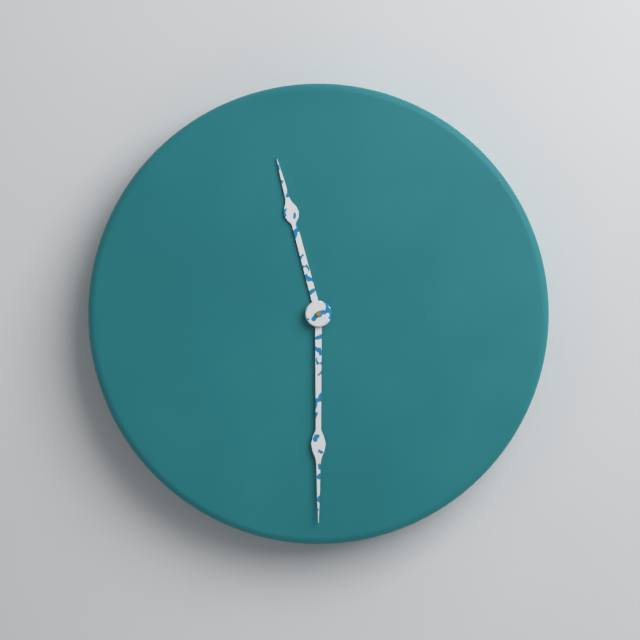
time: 11:30
